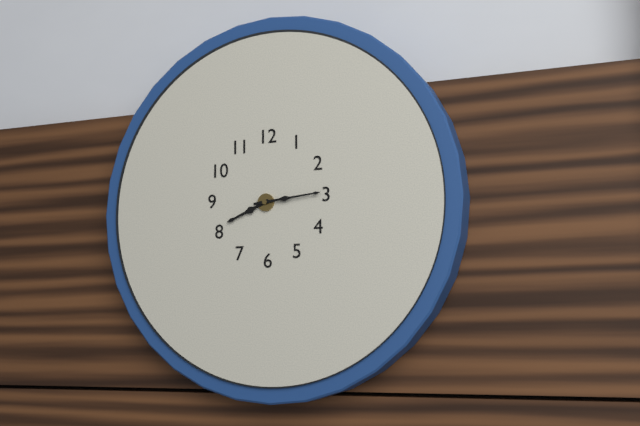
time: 8:14
